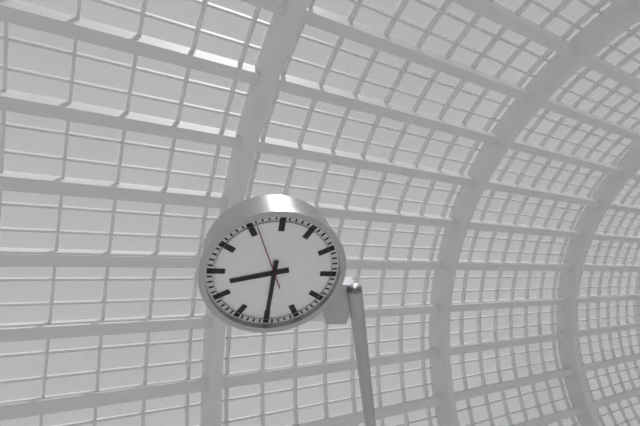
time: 8:30:56
